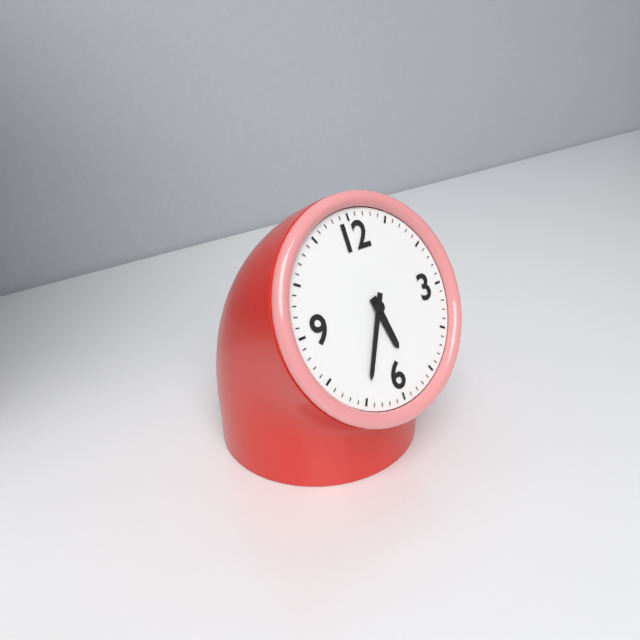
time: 5:35
